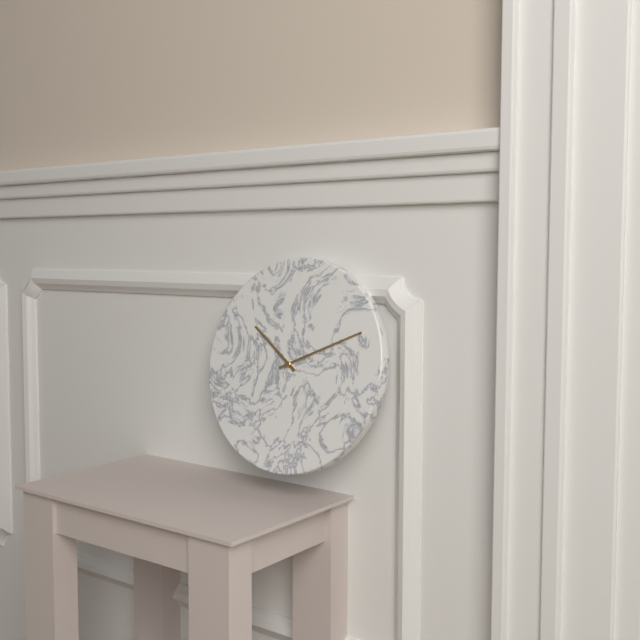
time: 10:11
